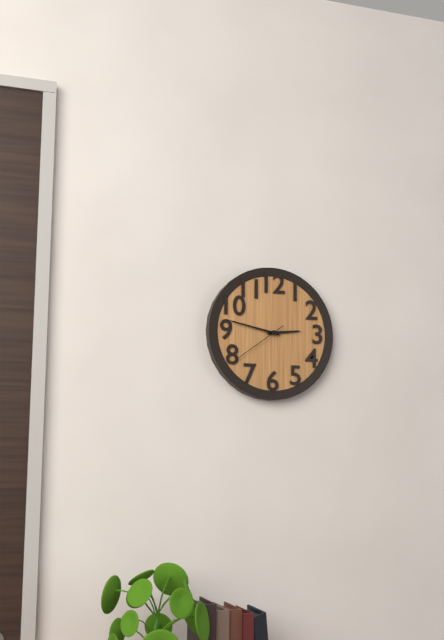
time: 2:47:39
